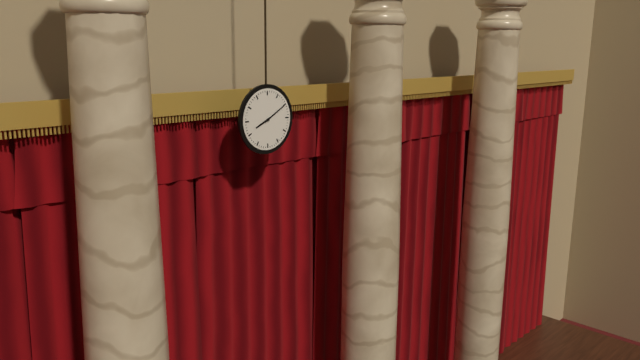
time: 8:10
